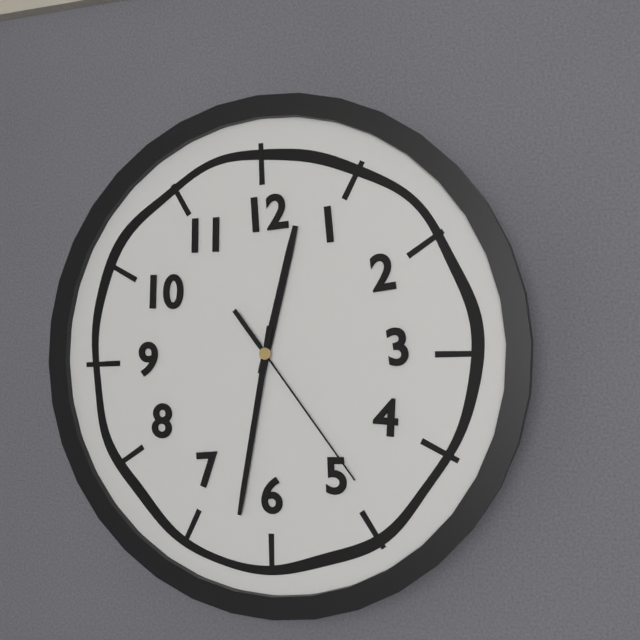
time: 12:32:24
